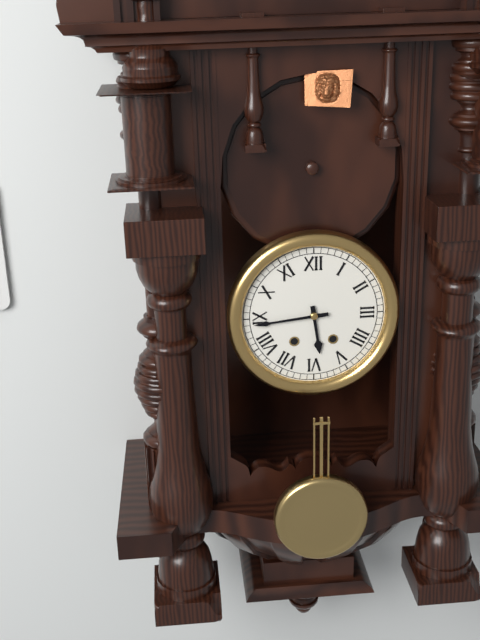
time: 5:44
